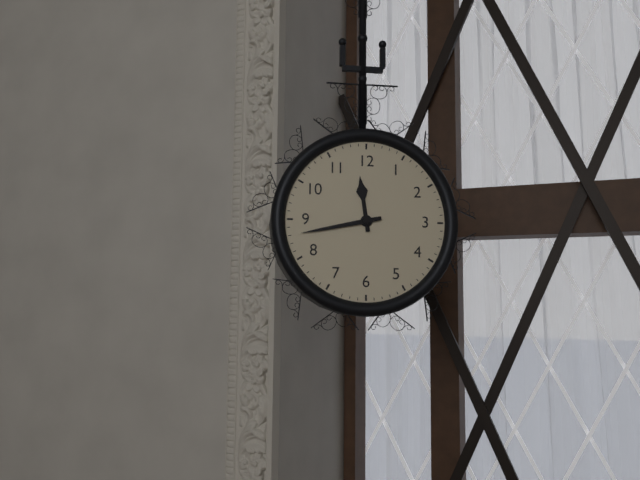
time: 11:43
